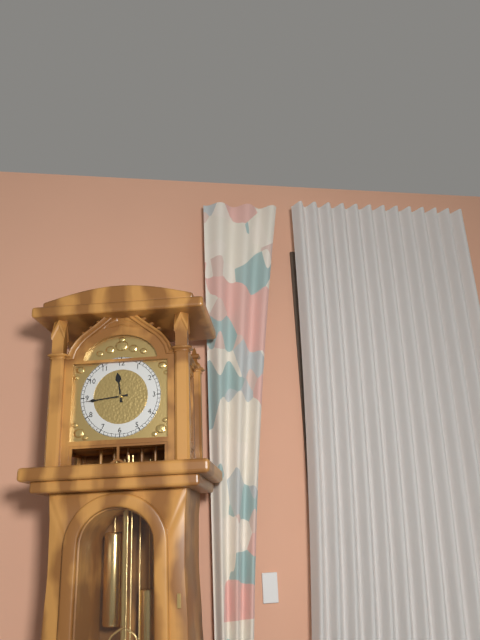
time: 11:44
